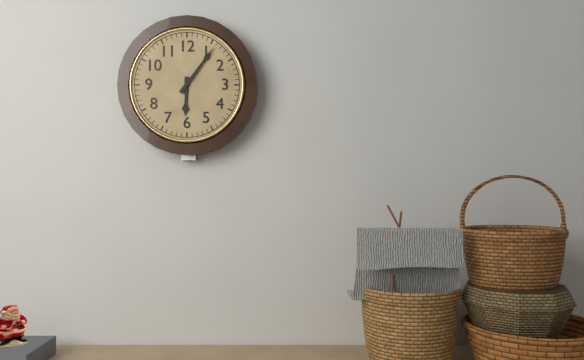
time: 6:06
